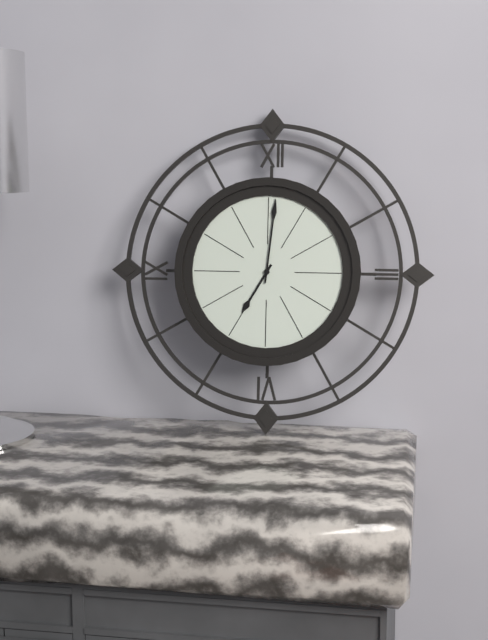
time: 7:01
